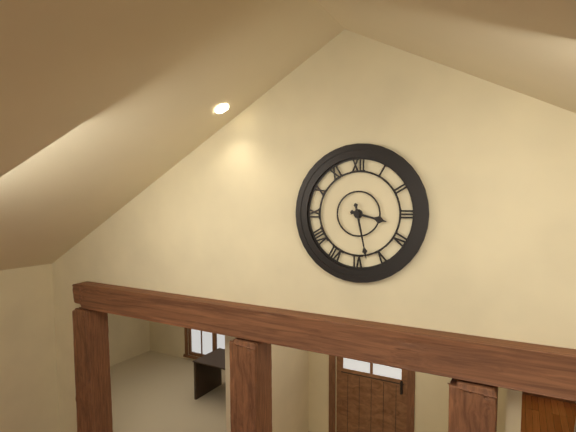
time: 3:28
